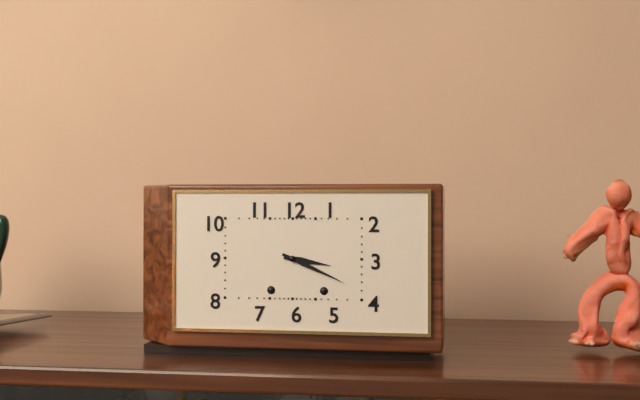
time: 3:19
